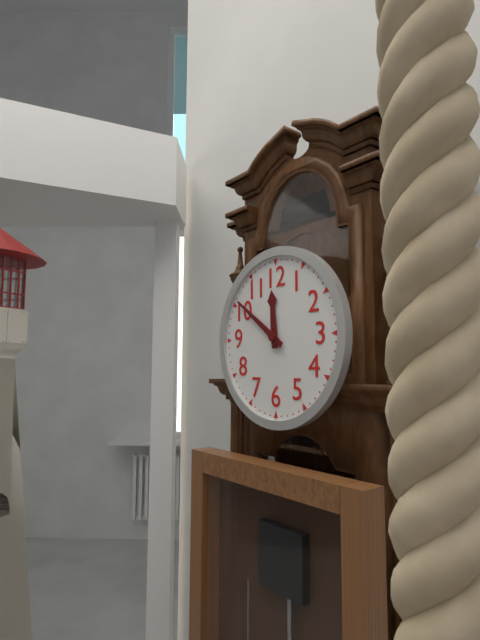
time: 11:51
